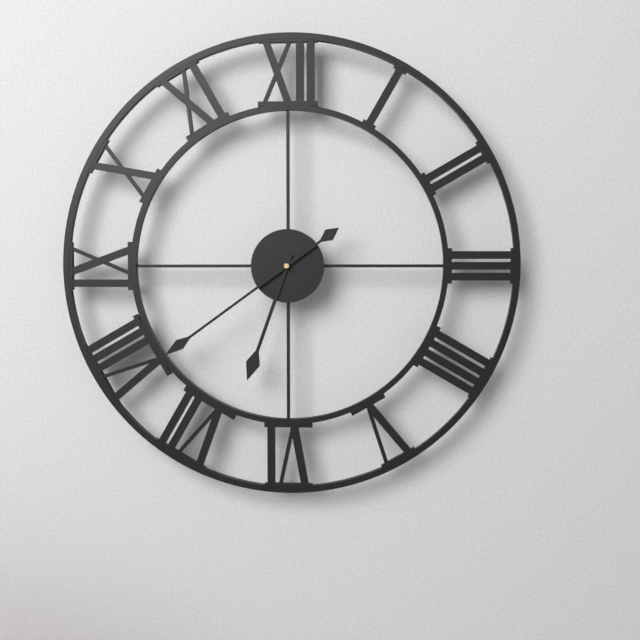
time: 6:39
